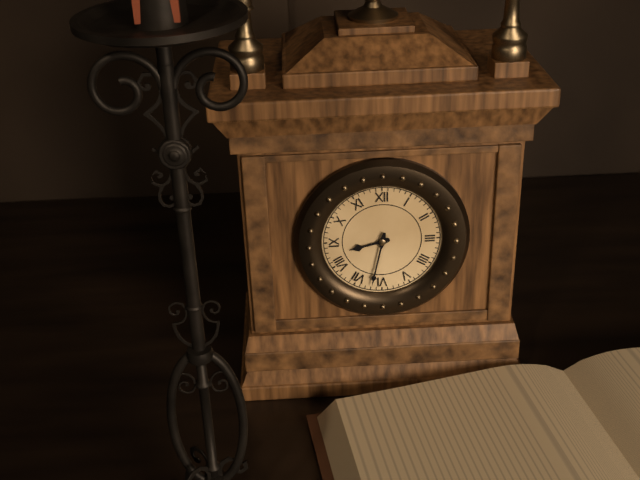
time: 8:32
